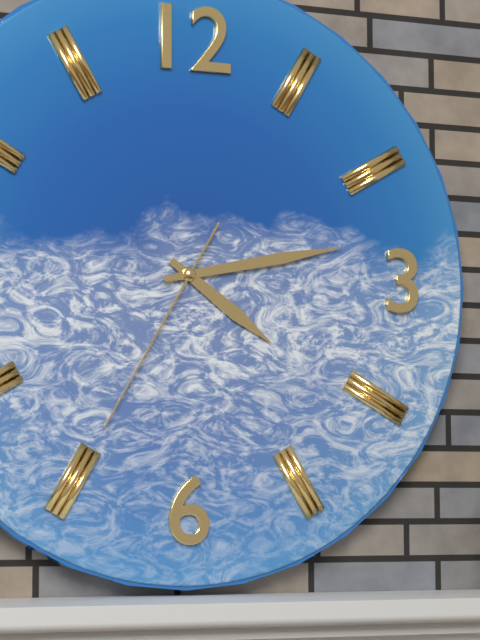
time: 4:13:35
